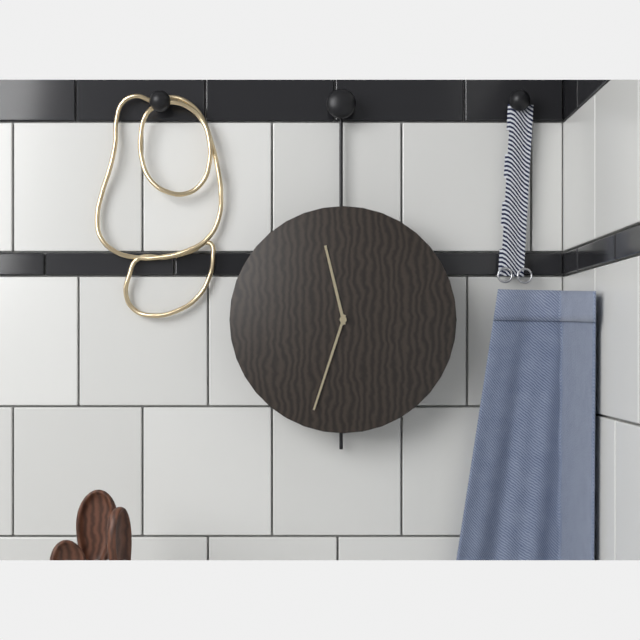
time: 11:33
